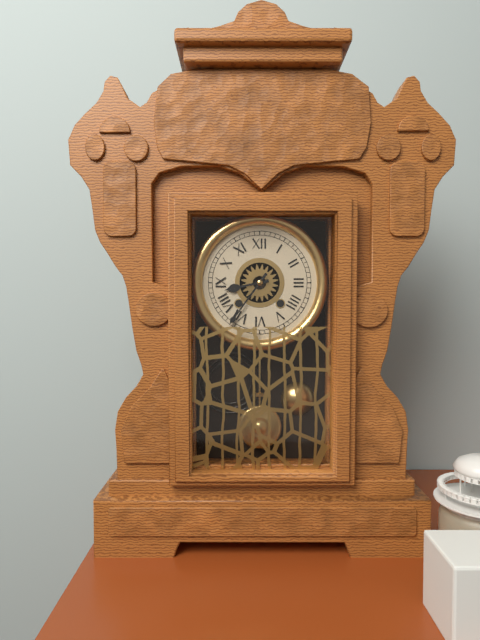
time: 8:36
